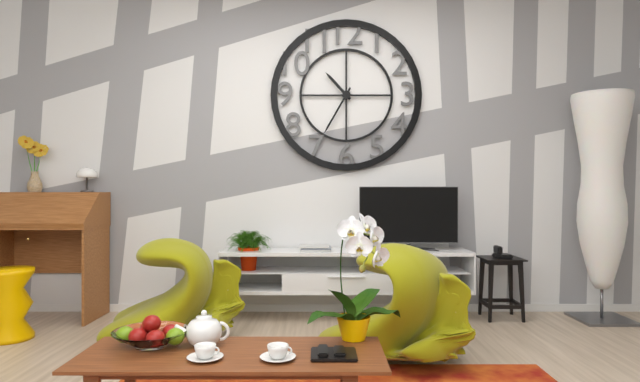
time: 10:35
